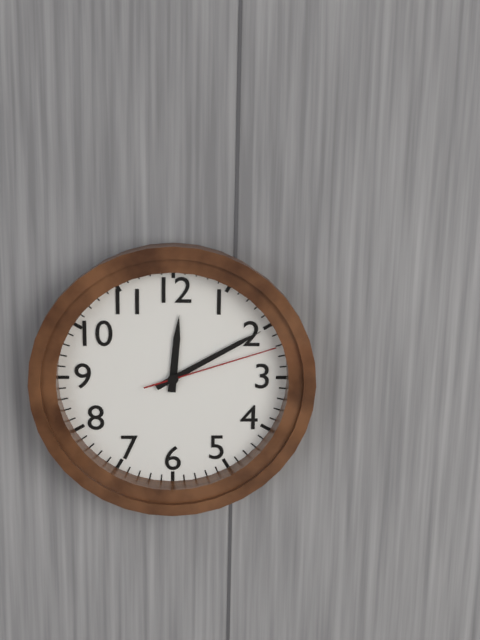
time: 12:10:12
